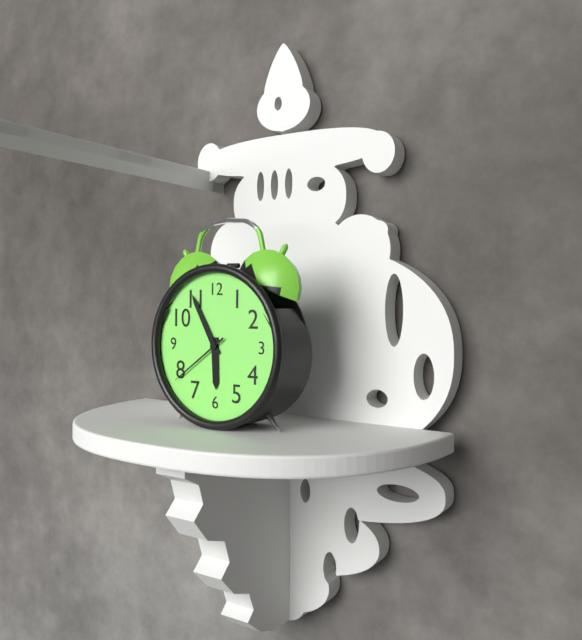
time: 5:55:39
